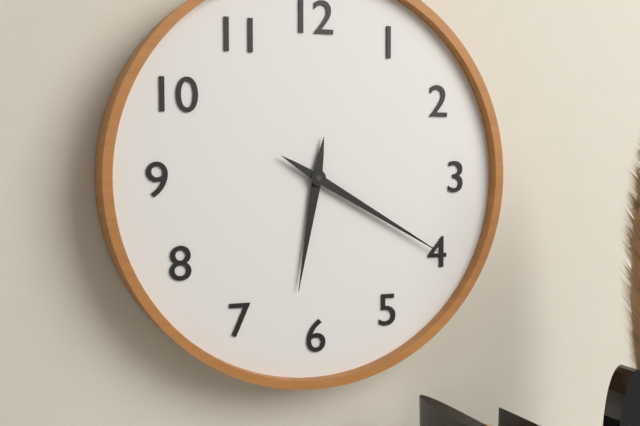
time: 6:20
